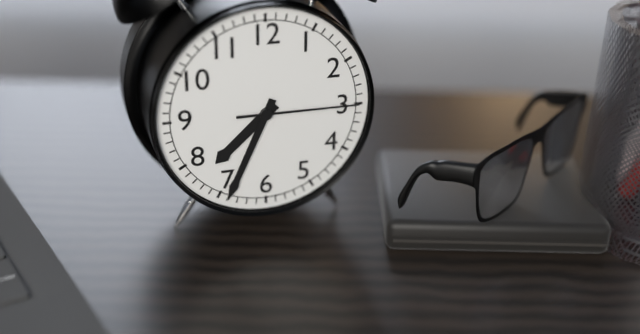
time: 7:34:15
